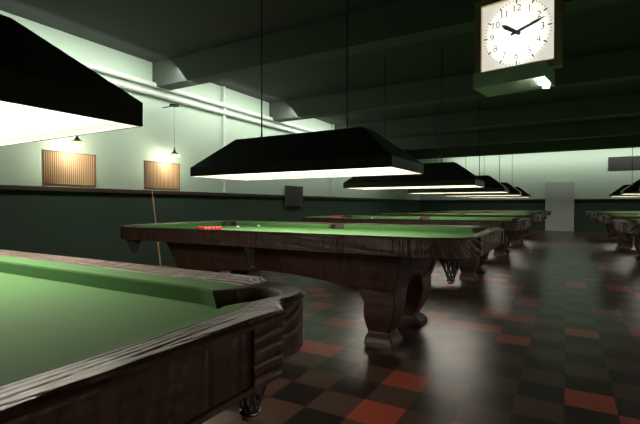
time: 10:12
